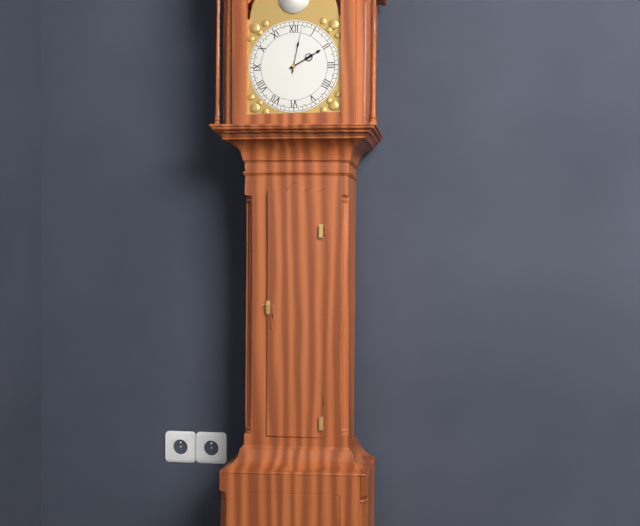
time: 2:02
